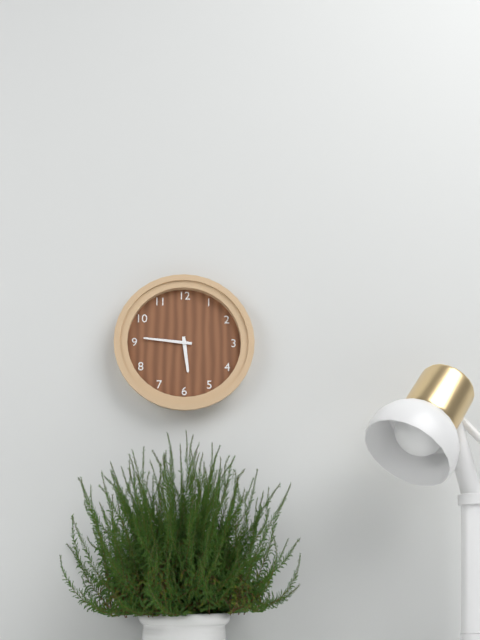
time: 5:46
